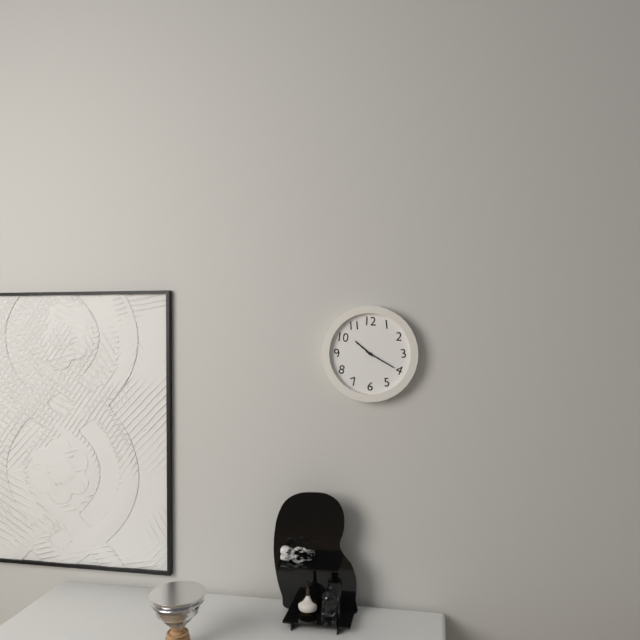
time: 10:20
